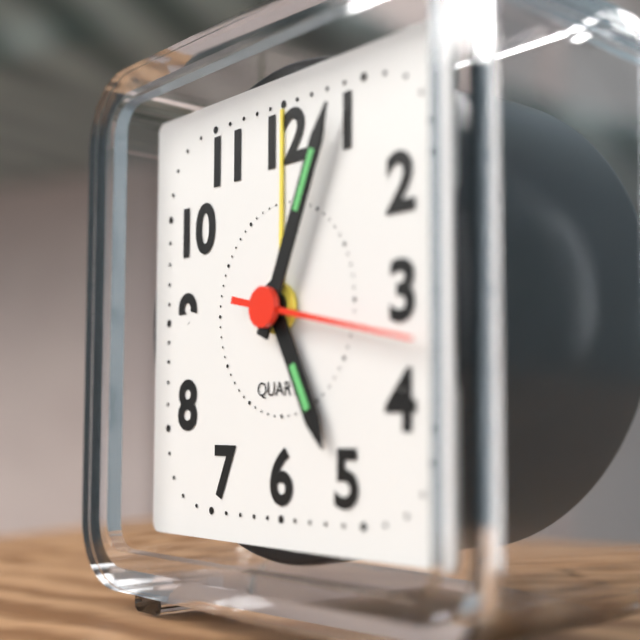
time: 5:04:17
